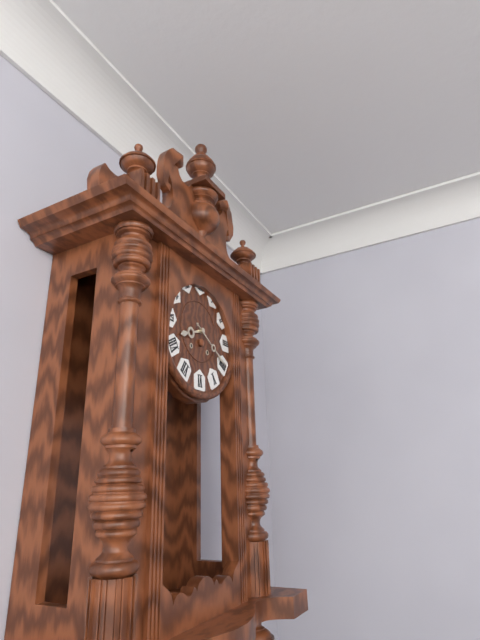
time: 8:20
